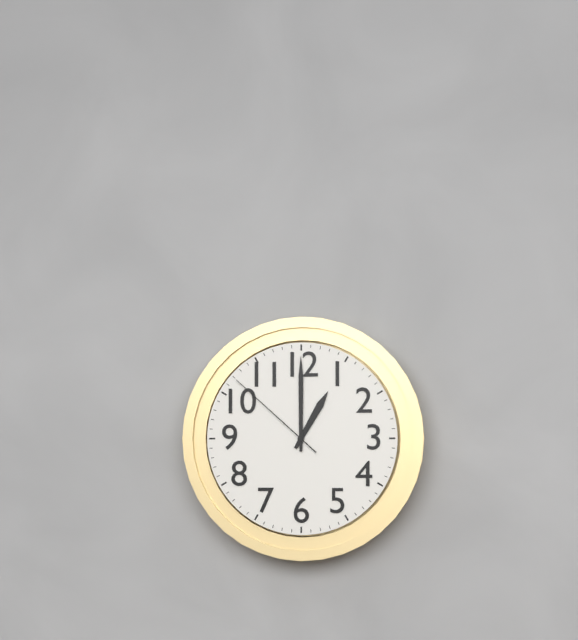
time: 1:00:52
